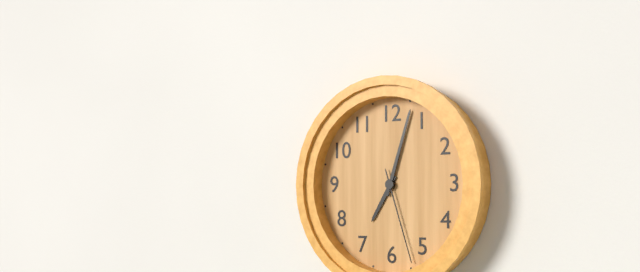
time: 7:03:27
